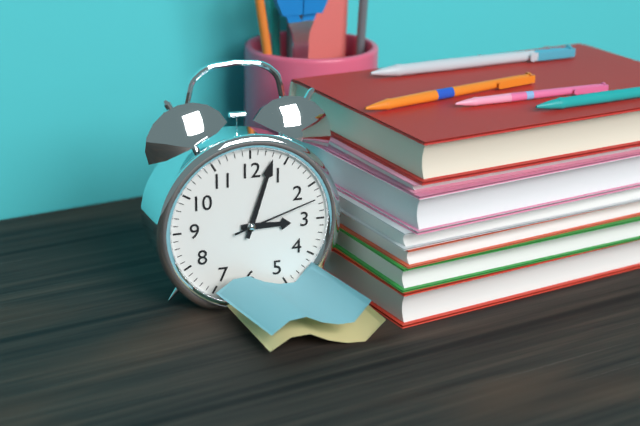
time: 3:03:12
